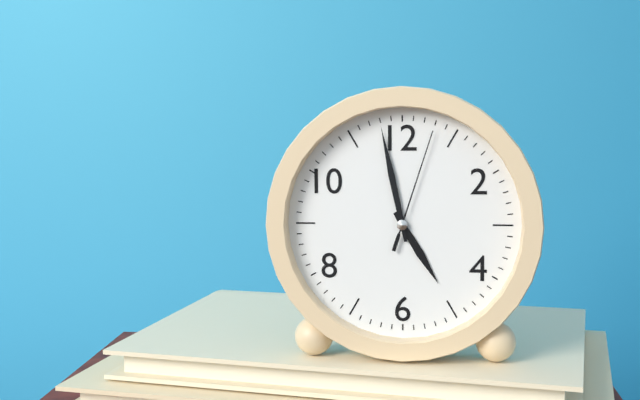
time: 4:58:03
